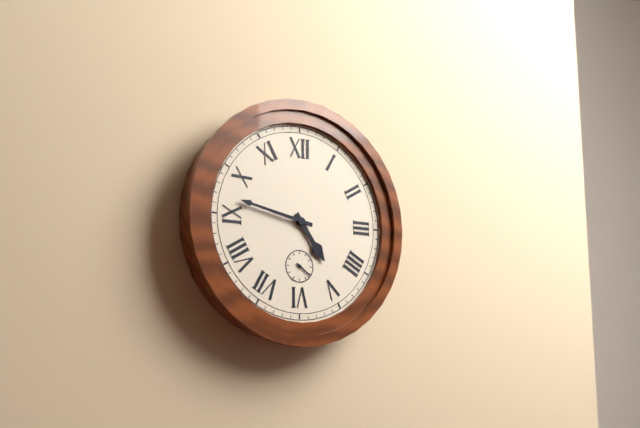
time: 4:47
